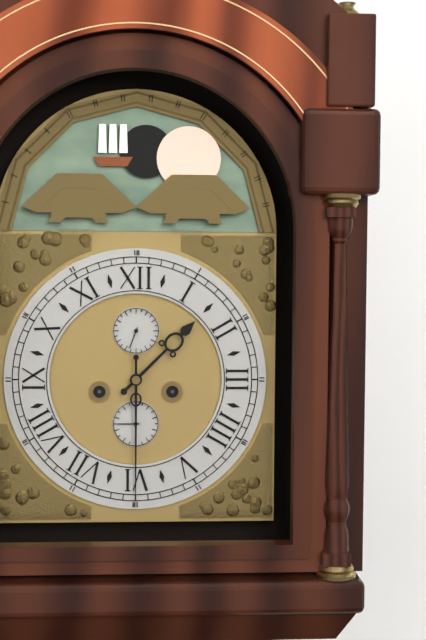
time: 1:30
